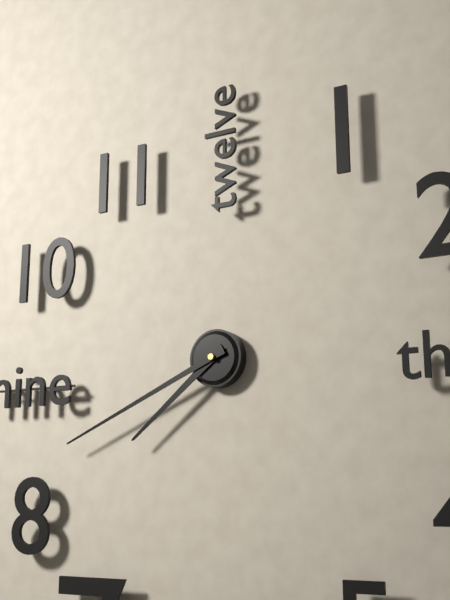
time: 7:41
